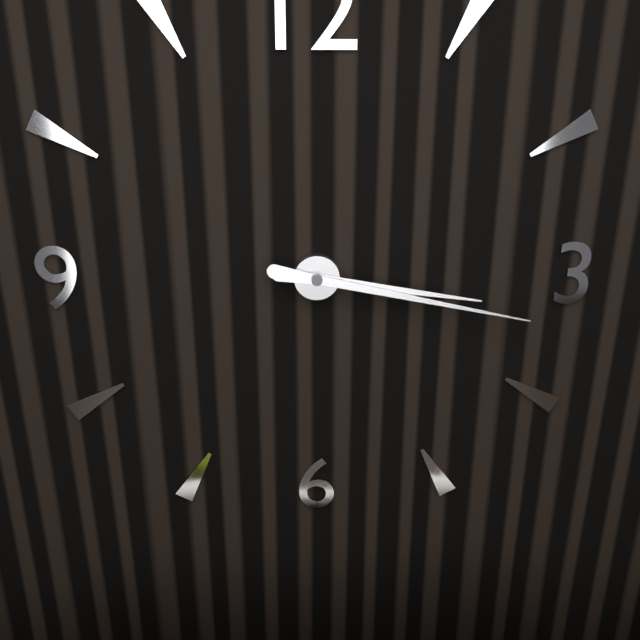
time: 3:17
